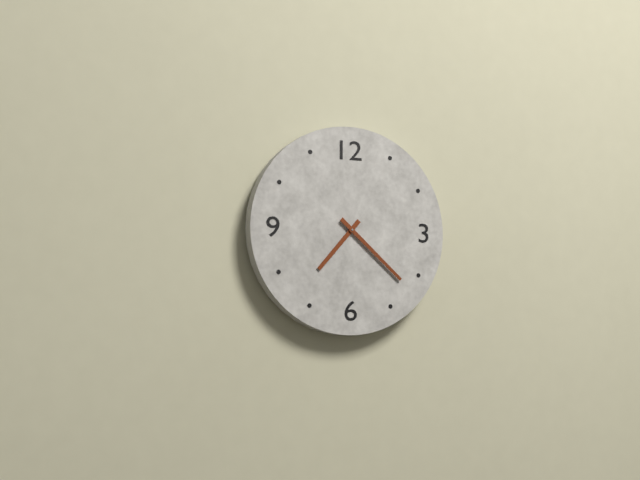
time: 7:22
